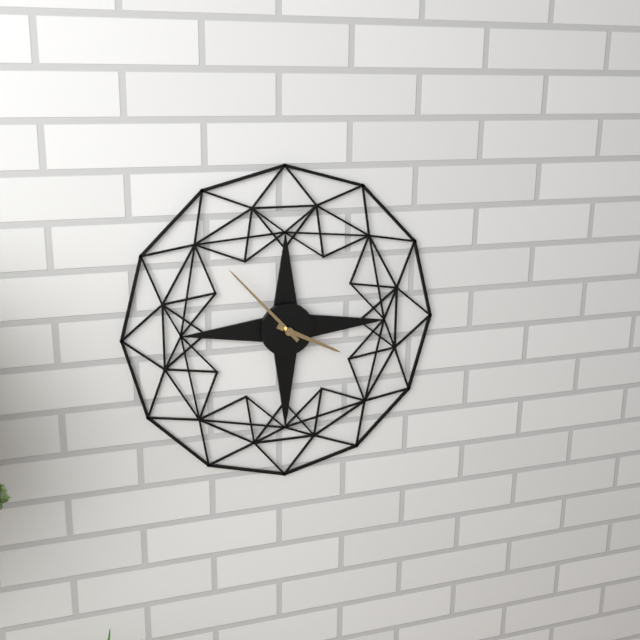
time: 3:53
